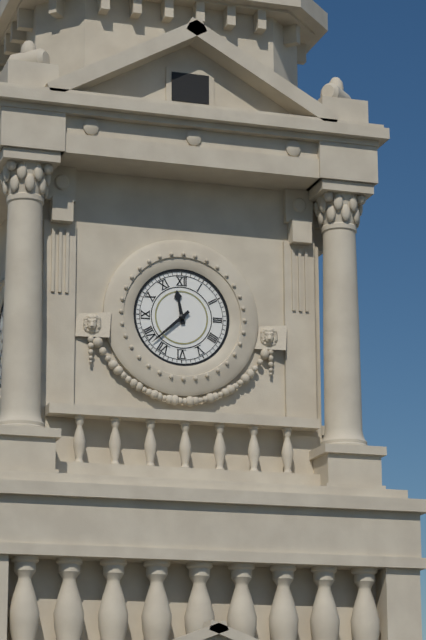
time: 11:38
